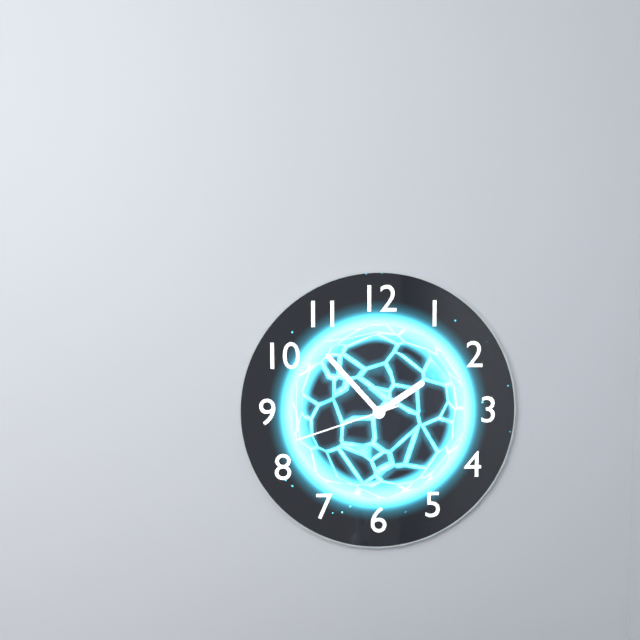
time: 1:53:42
